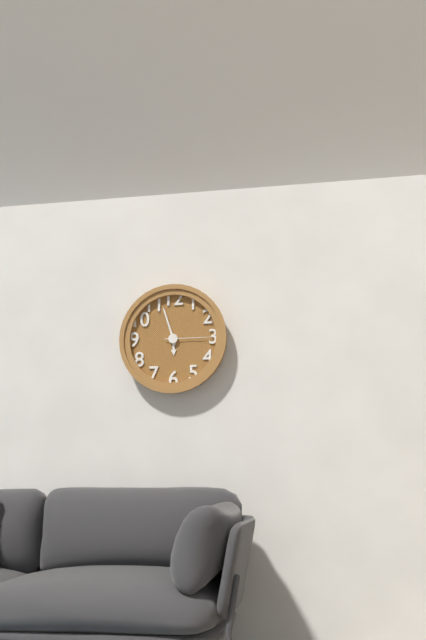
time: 5:57:15
